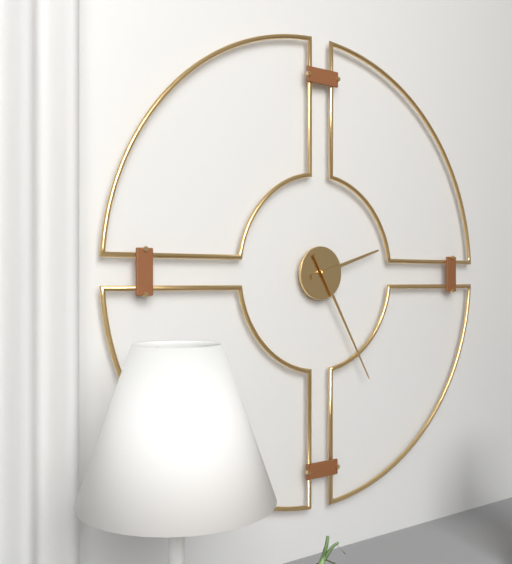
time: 2:25
